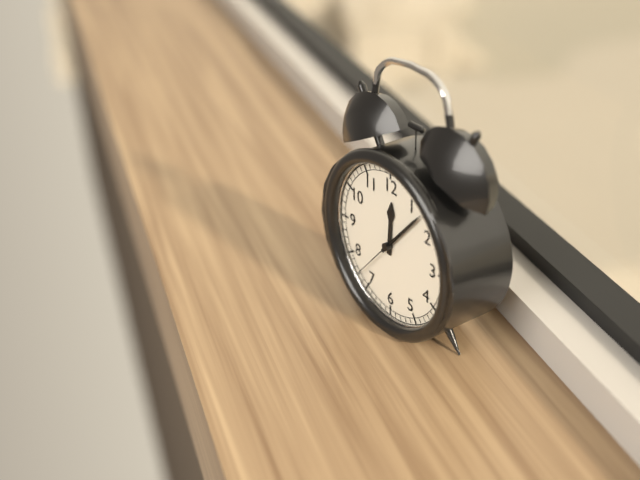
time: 12:07:37
